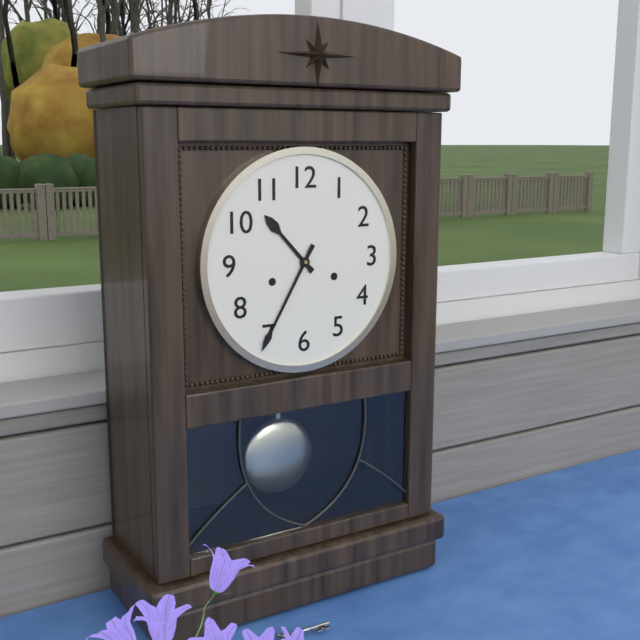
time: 10:35
